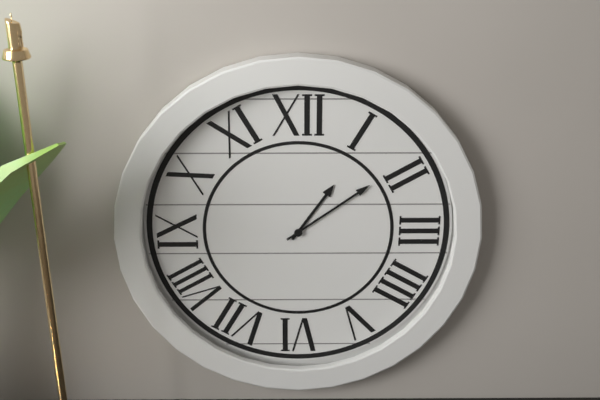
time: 1:09
